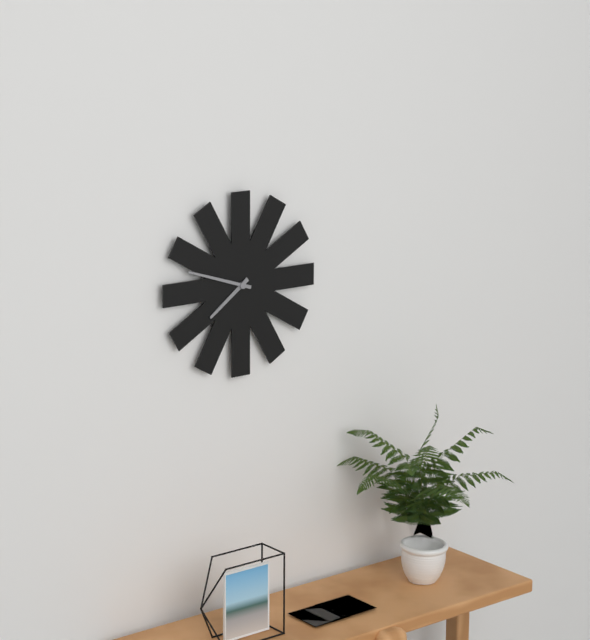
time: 7:48
